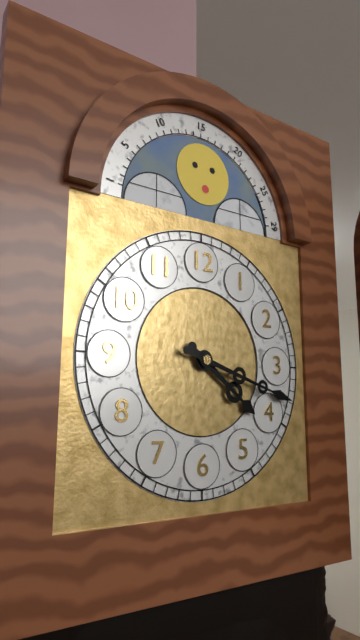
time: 4:18
